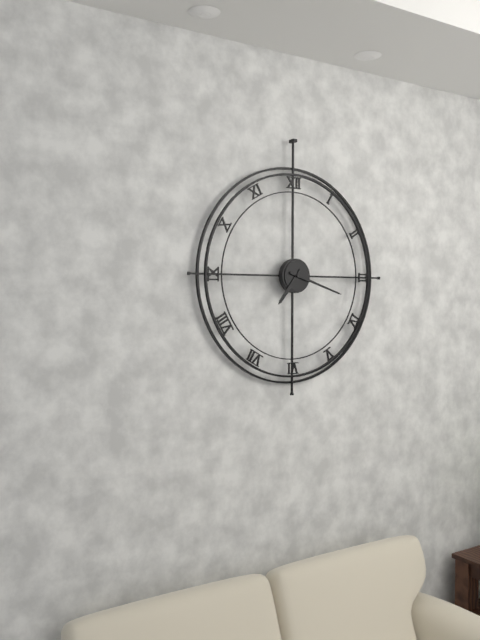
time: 7:18
